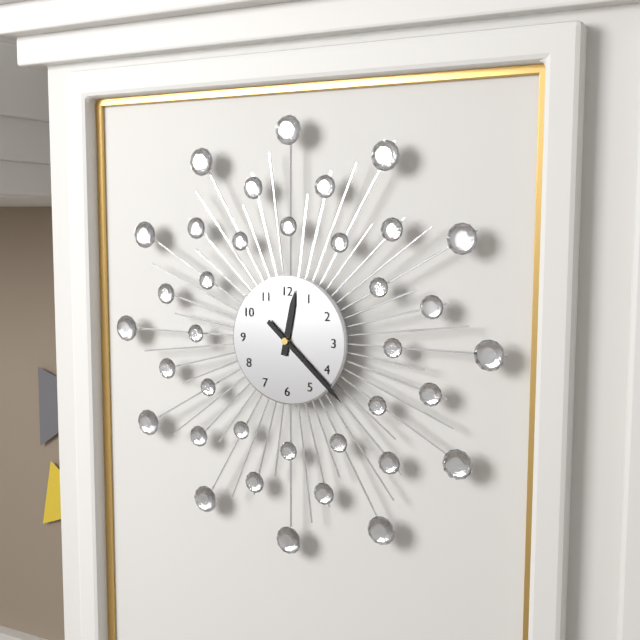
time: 12:22
